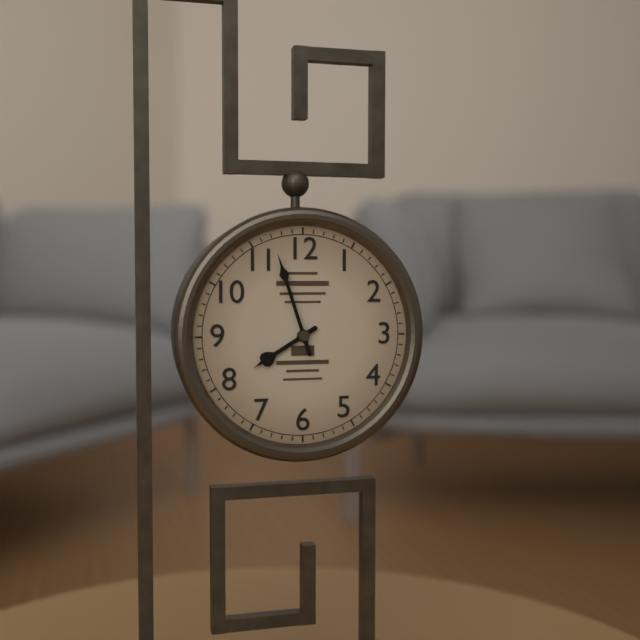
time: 7:57
